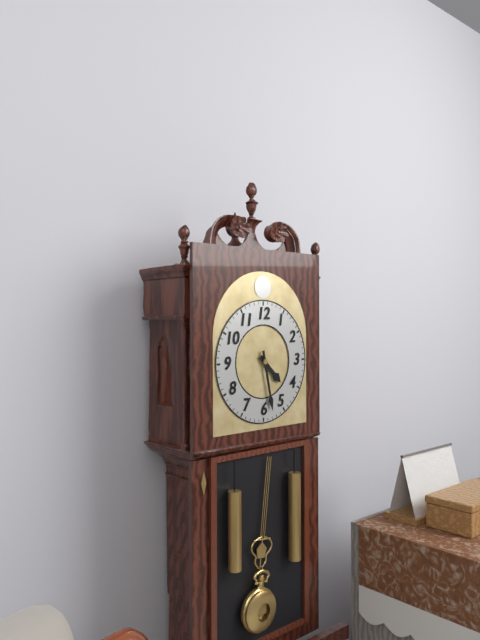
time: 4:28
